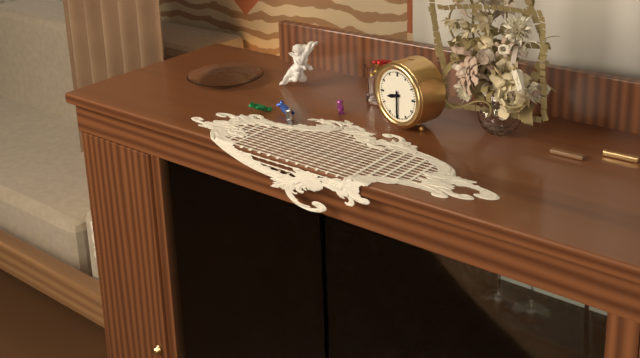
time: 8:30
